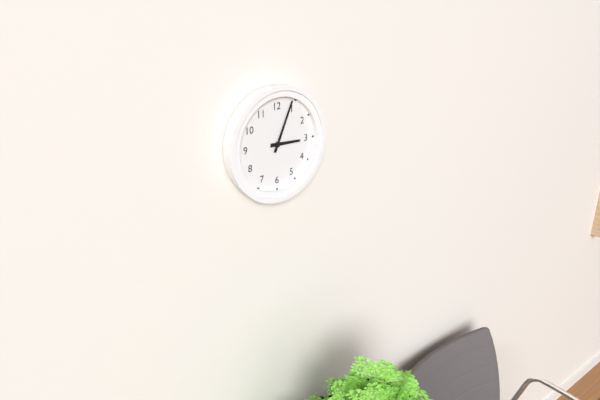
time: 3:04
